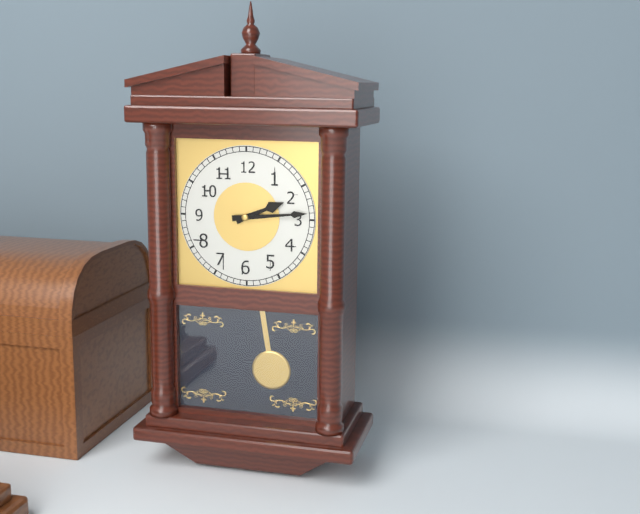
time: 2:14
